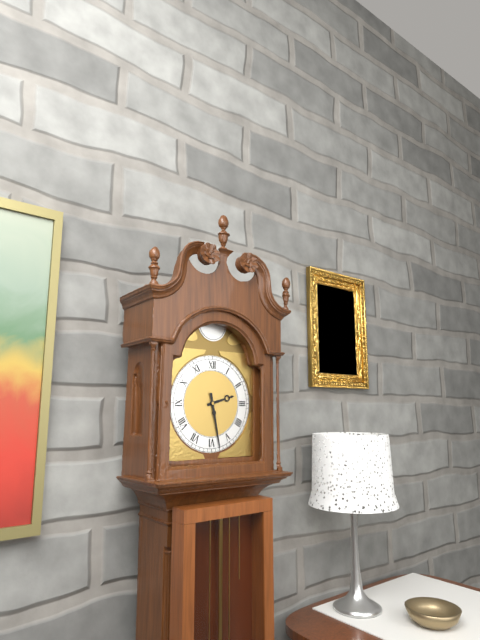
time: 2:28
